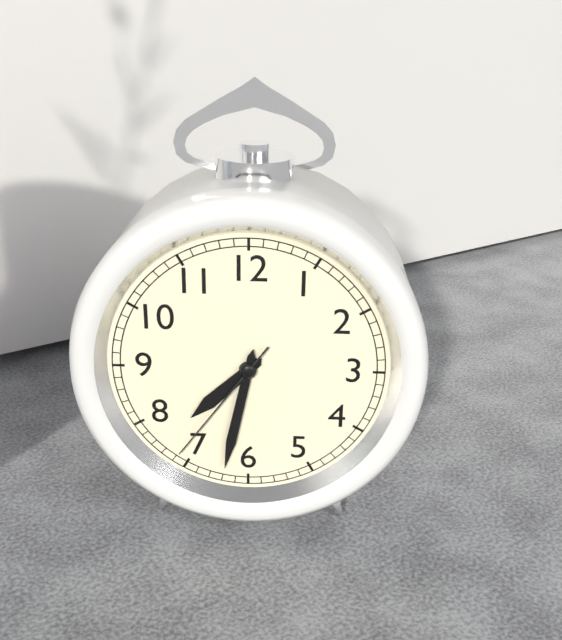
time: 7:32:36
